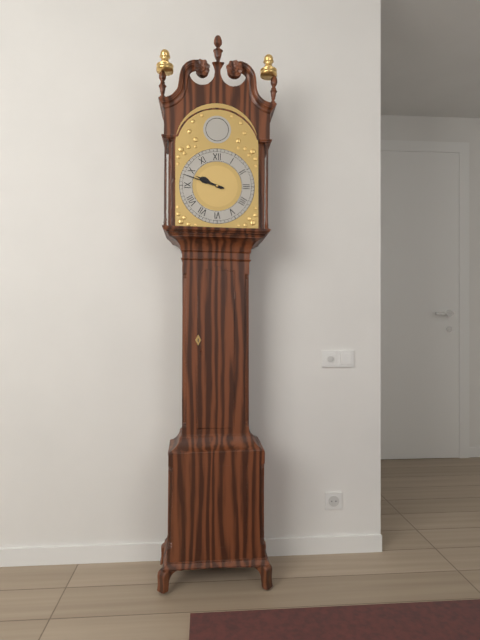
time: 9:48
